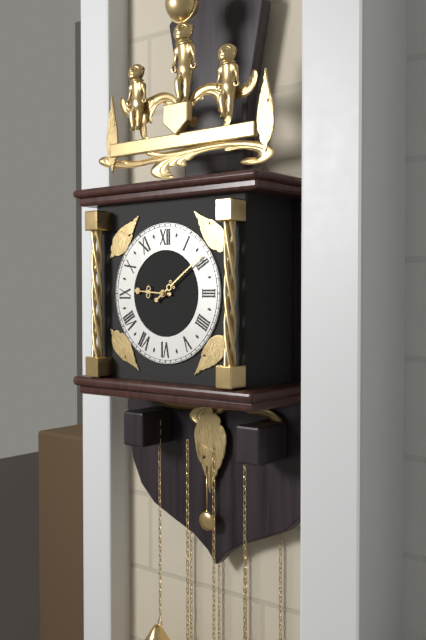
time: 9:09
